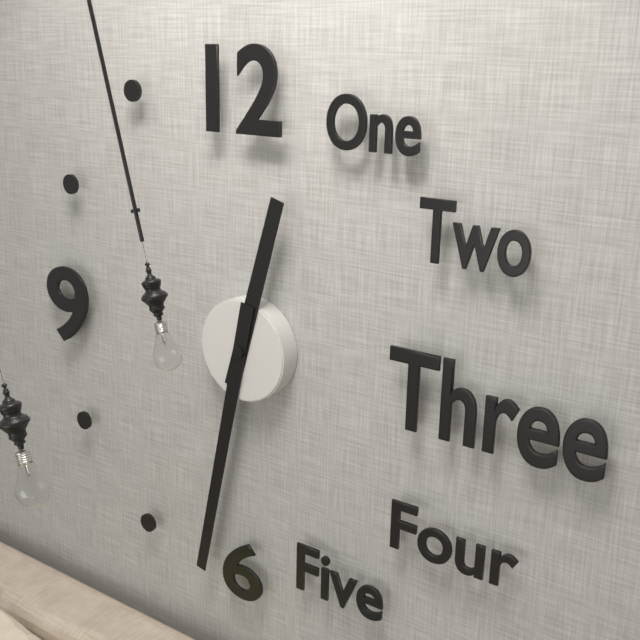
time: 12:32
